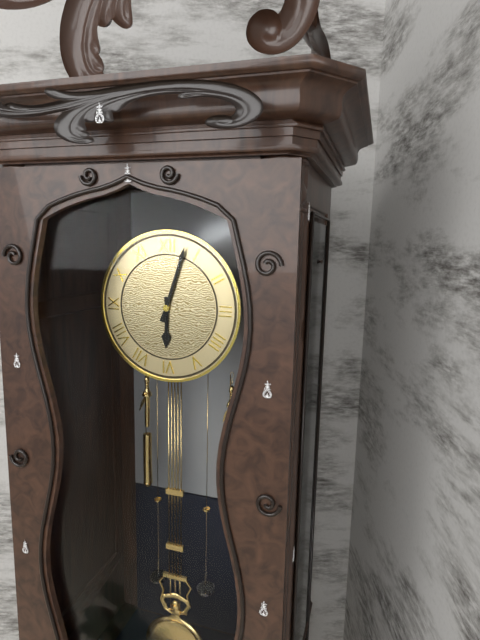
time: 6:03
